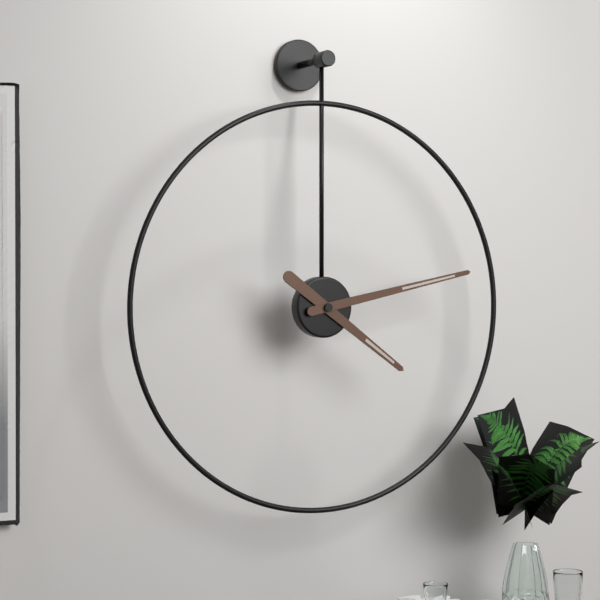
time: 4:13
